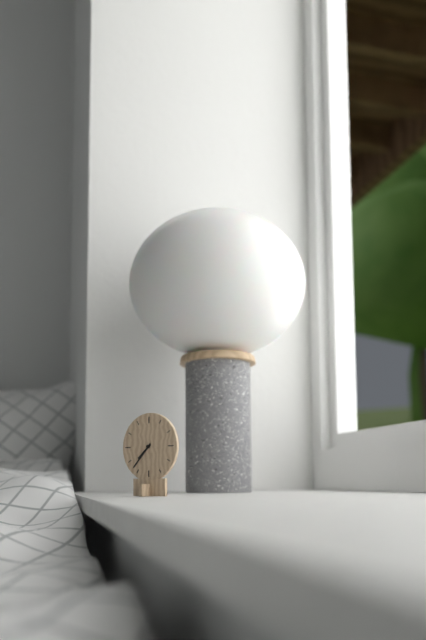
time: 7:37
